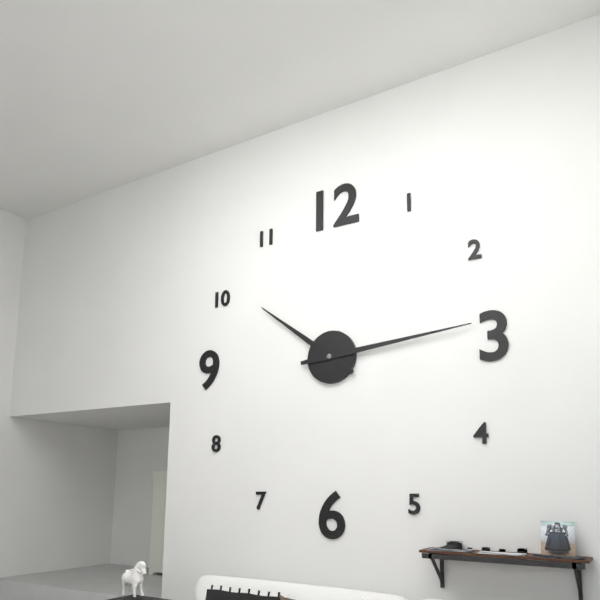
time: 10:14
